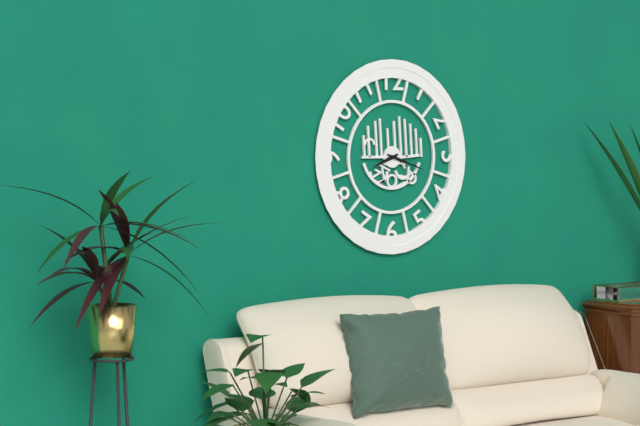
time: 8:18
